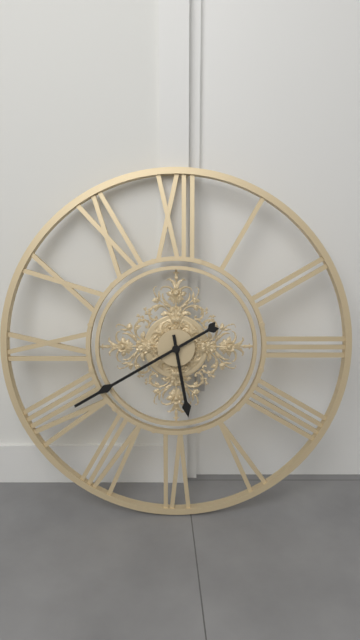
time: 5:40
